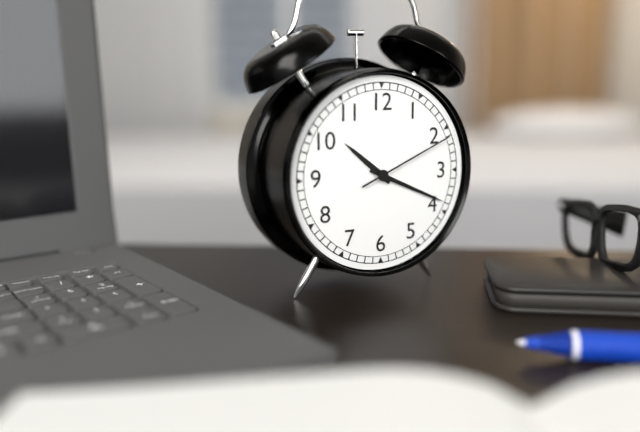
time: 10:19:11
